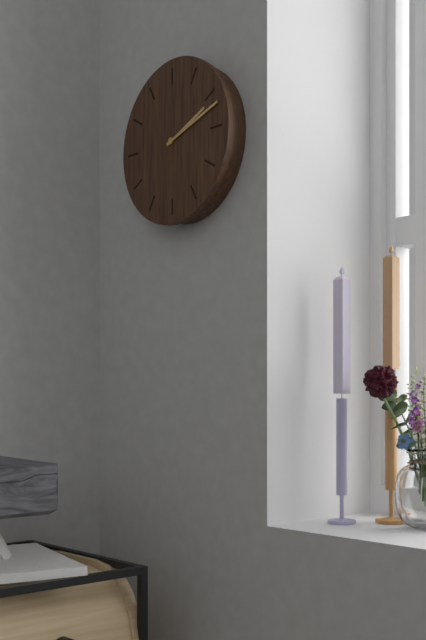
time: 2:12
